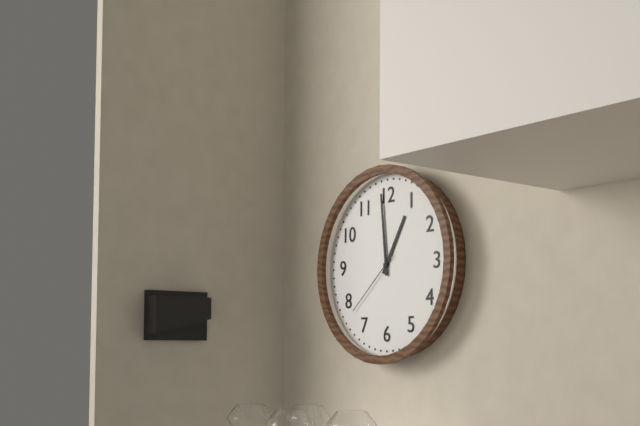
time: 12:59:38
